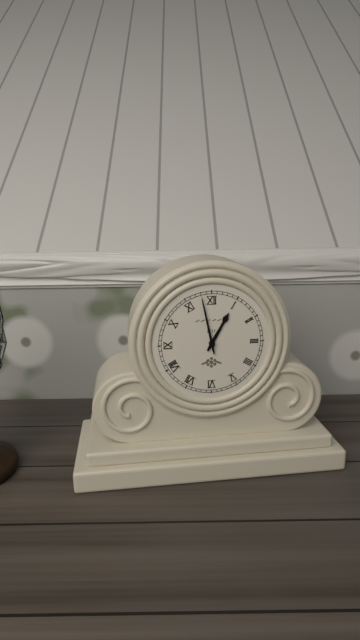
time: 12:58
